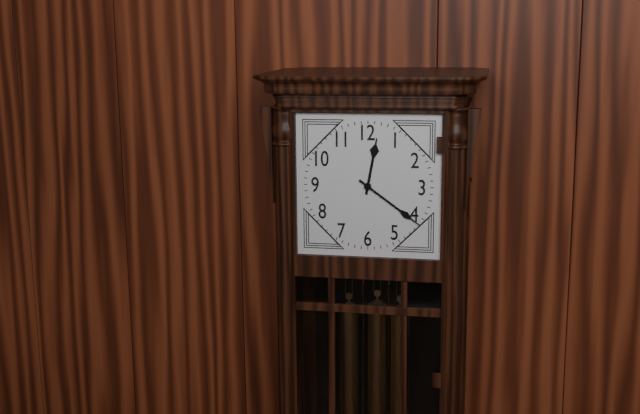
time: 12:21
